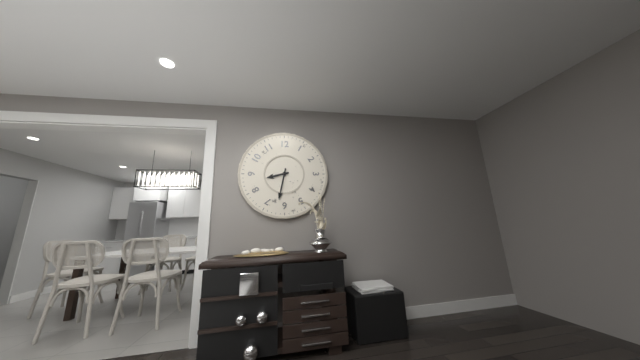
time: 8:32
